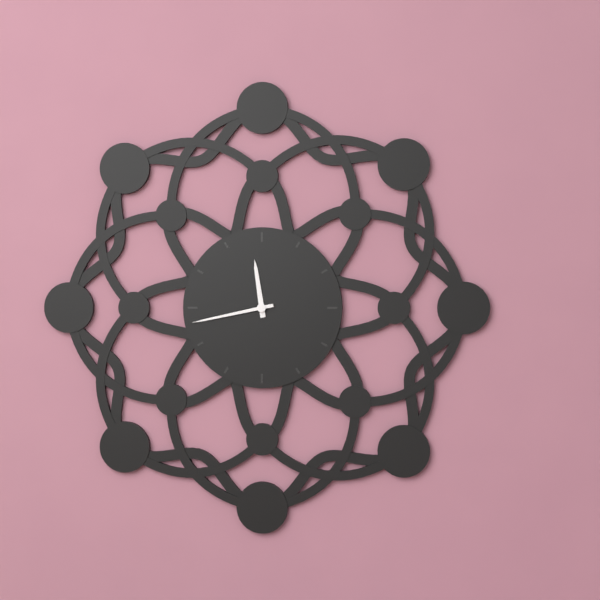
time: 11:43
